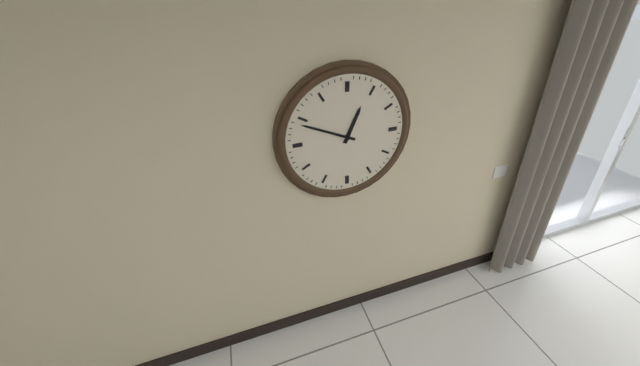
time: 12:49
